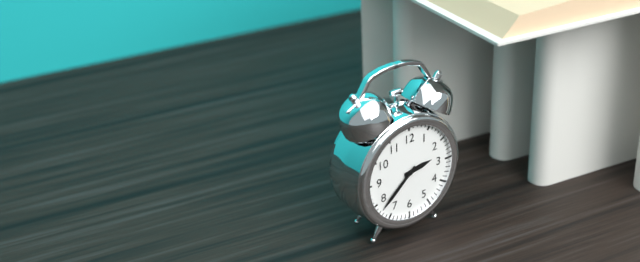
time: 2:38
